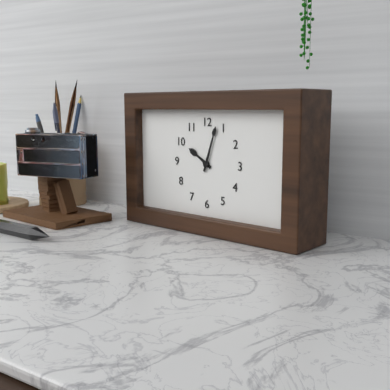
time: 10:03
